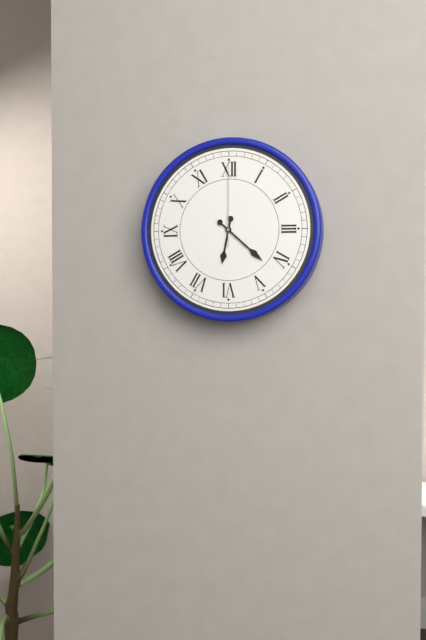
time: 6:22:00
